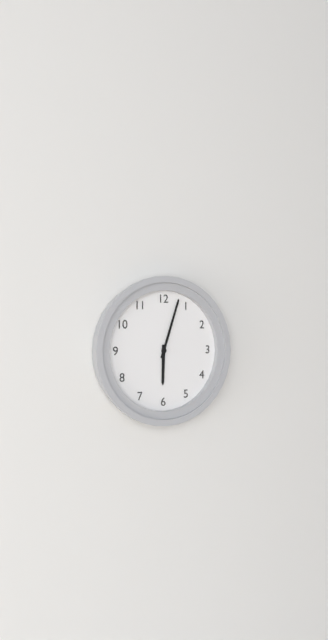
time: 6:03
